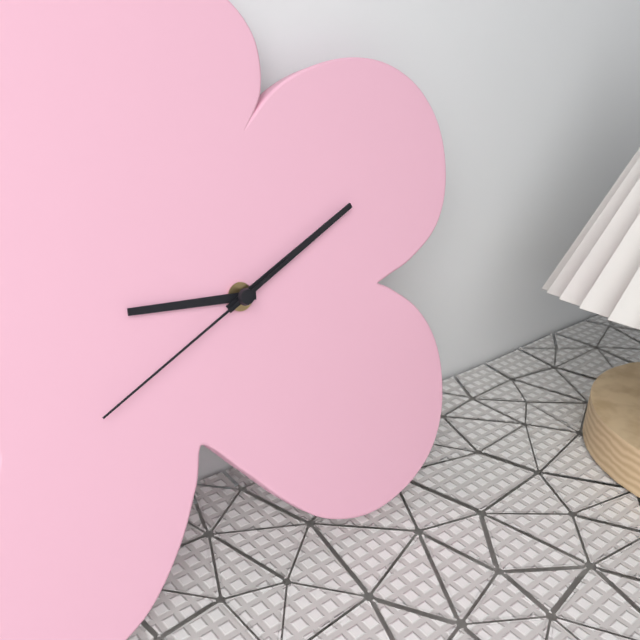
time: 9:11:41
